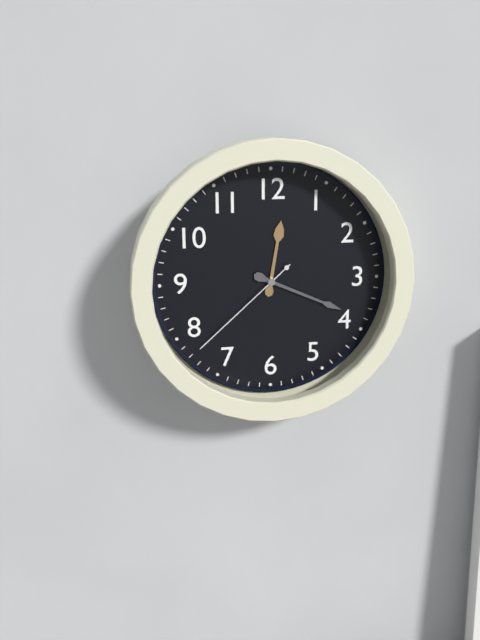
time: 12:19:38
